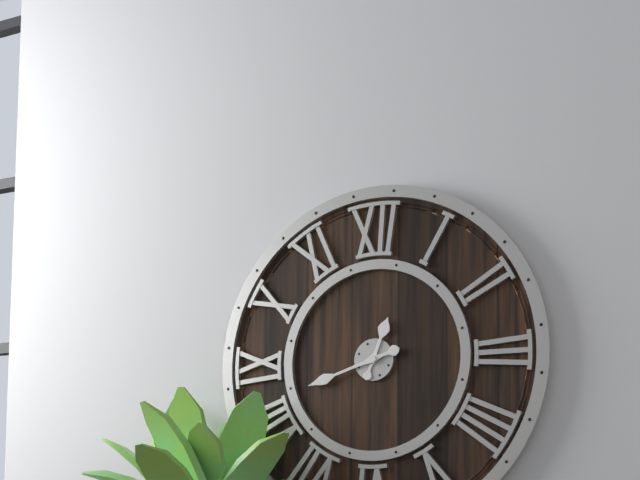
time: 12:42
